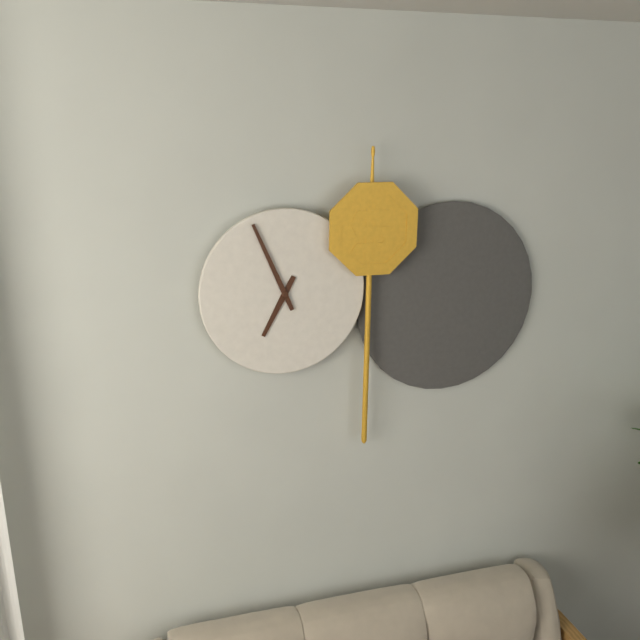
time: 6:56
